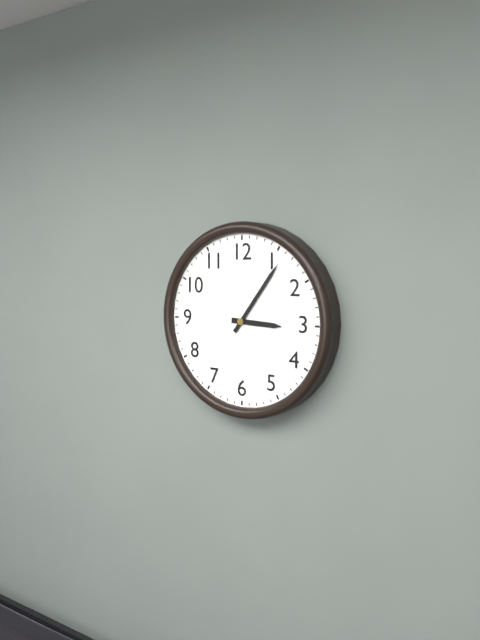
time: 3:06
